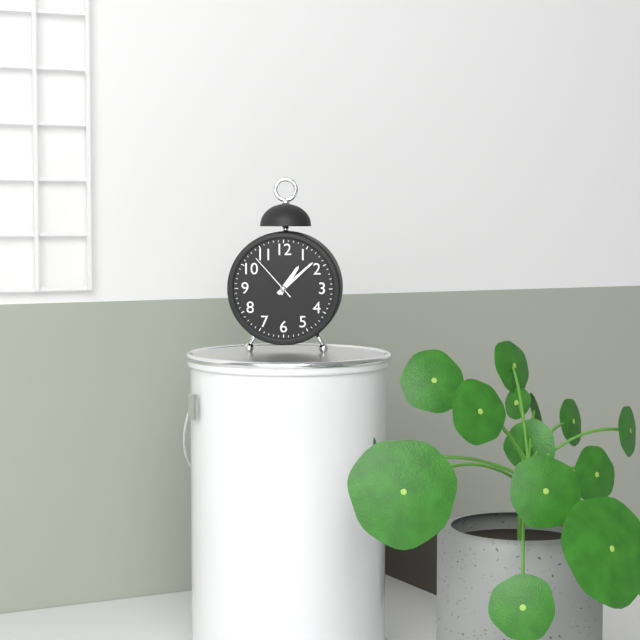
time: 1:08:53
